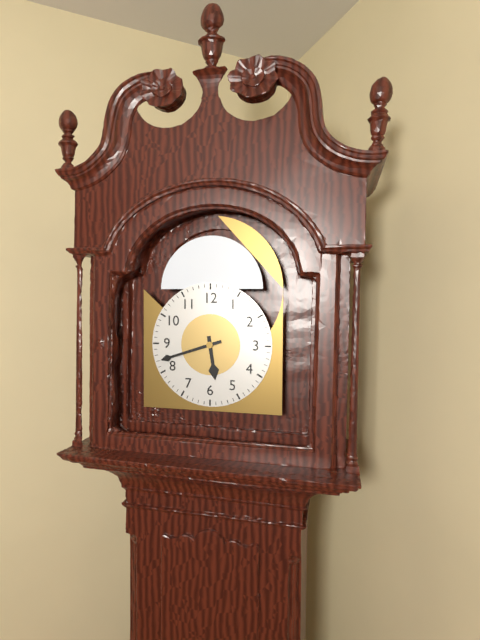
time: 5:42
